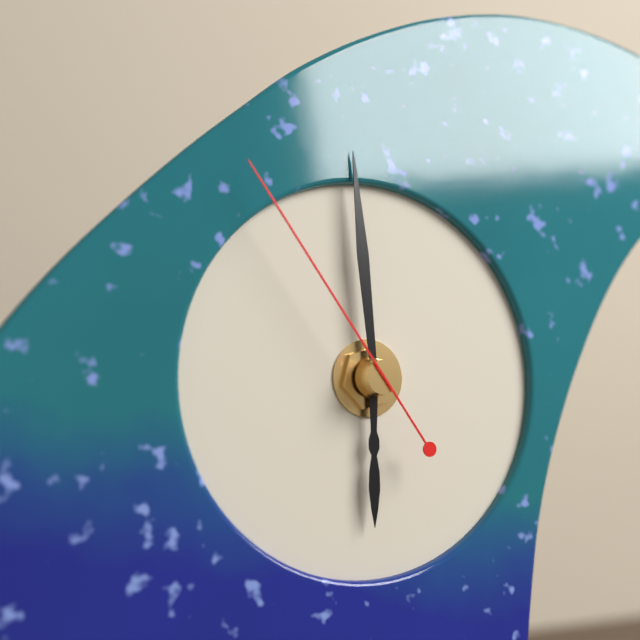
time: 5:59:54
